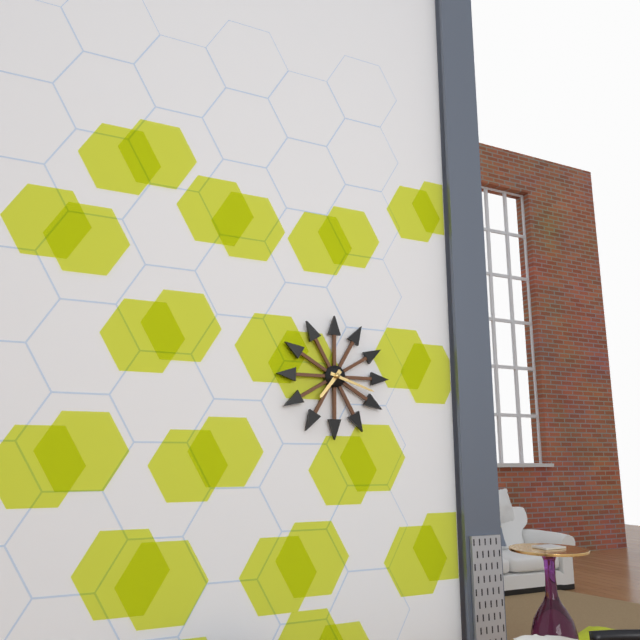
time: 7:18
